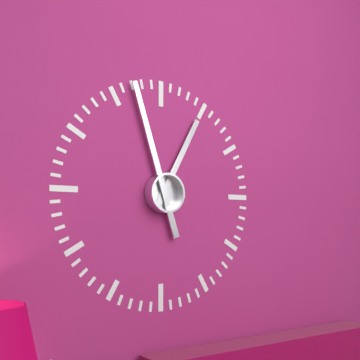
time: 12:57
